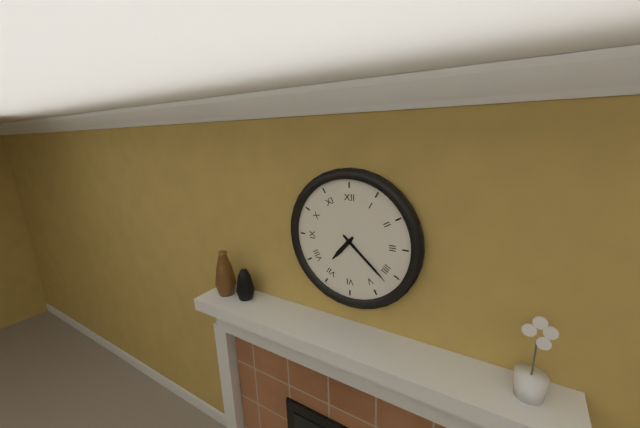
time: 7:22
